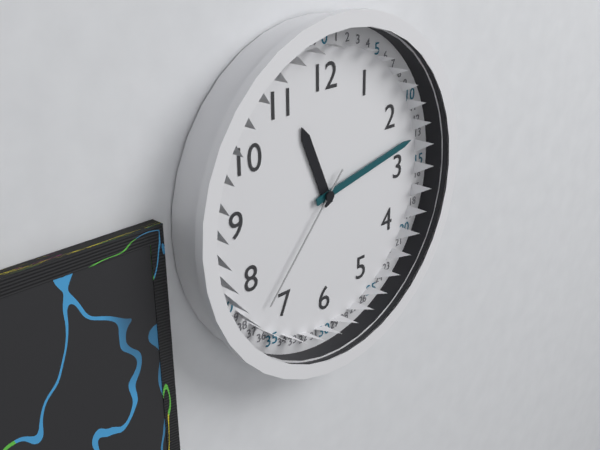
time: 11:13:37
